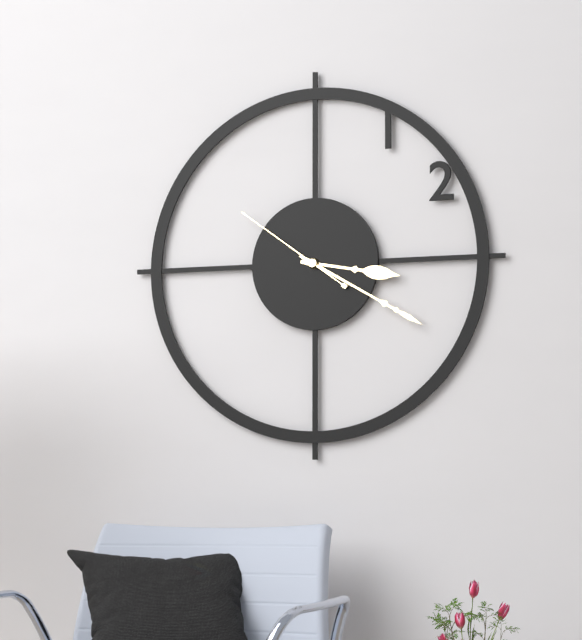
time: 3:20:51
